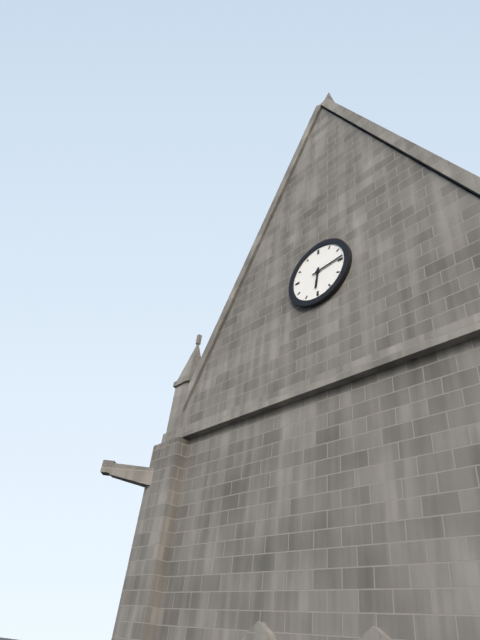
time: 6:14
